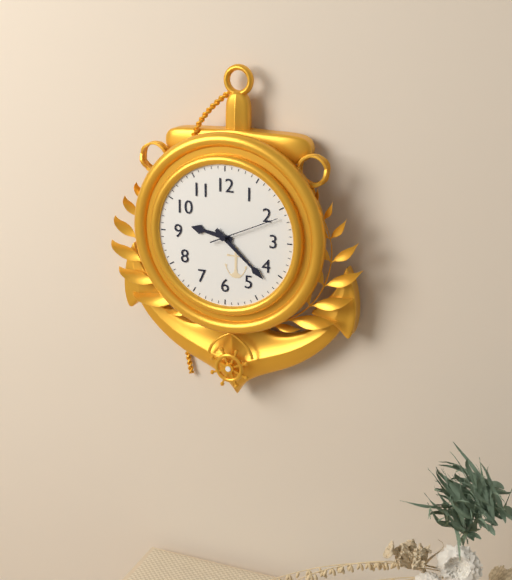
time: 9:22:11
